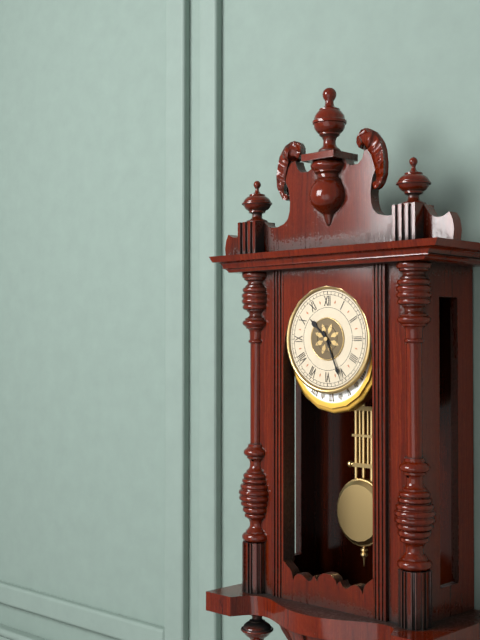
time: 10:26
